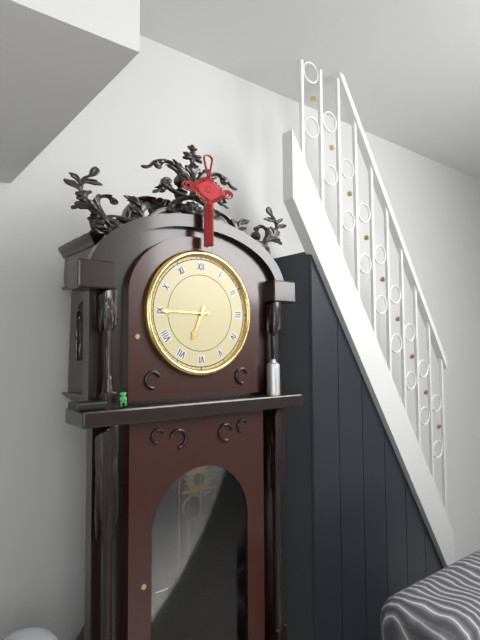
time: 6:45
